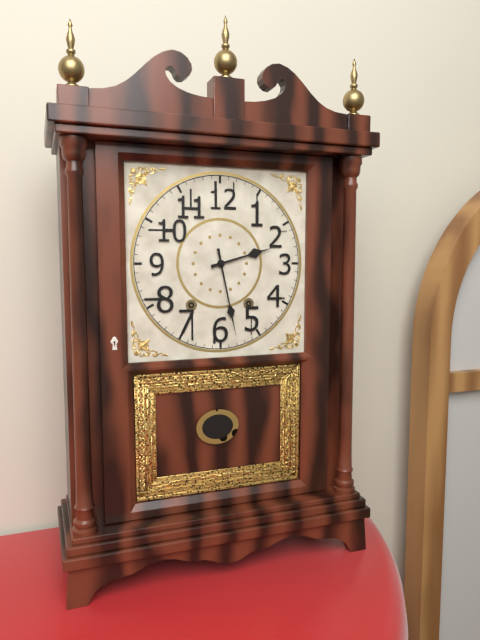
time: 2:28
